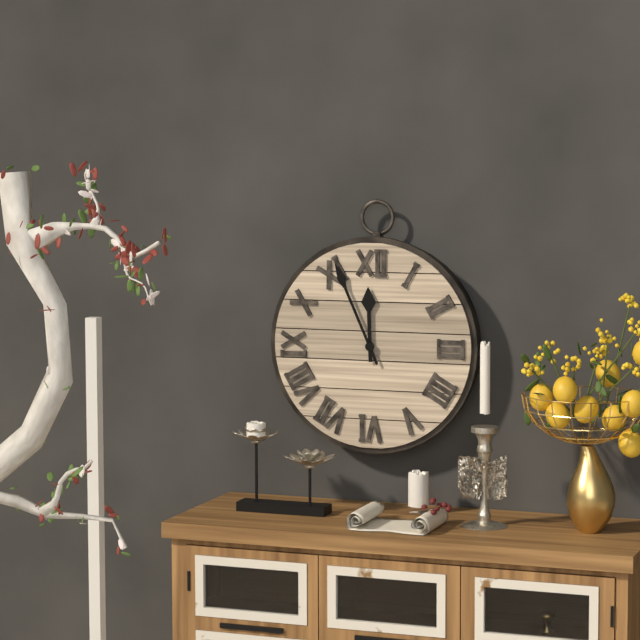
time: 11:56
